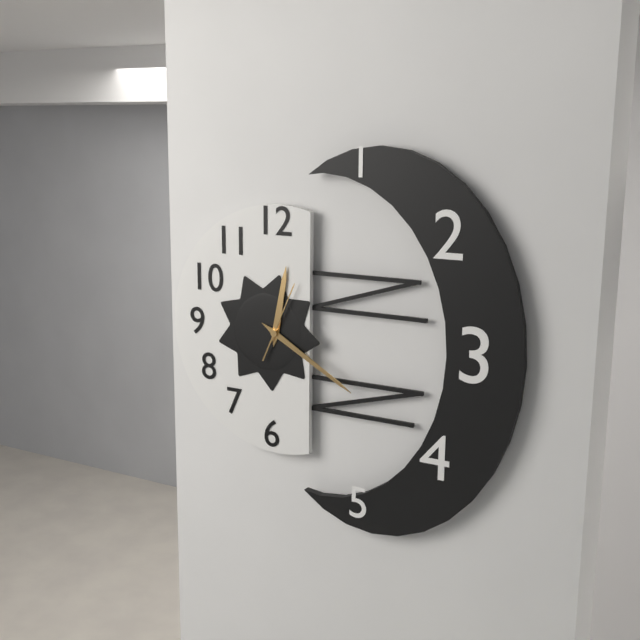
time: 12:20:04
